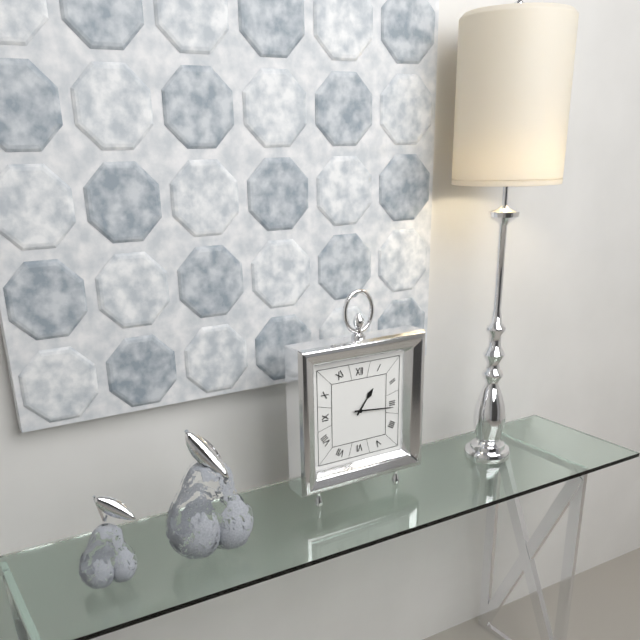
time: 1:16
